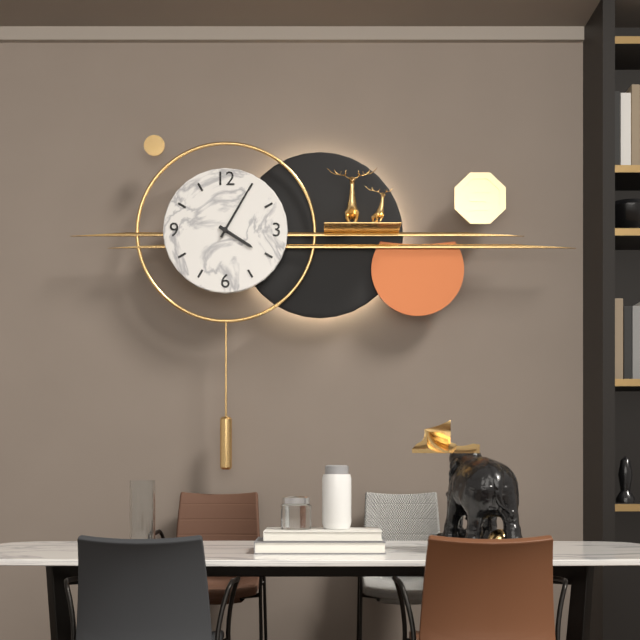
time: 4:05
